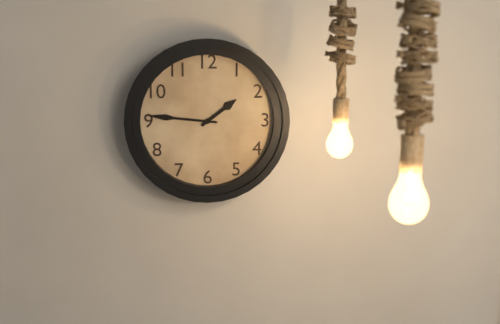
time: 1:46
